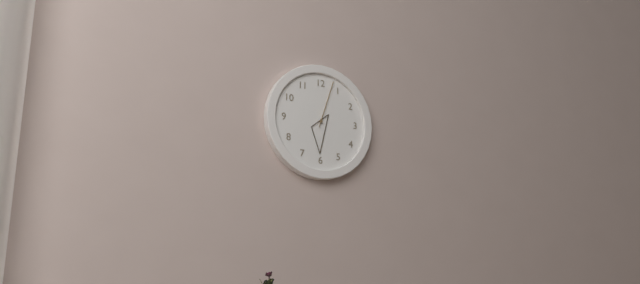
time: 6:03
